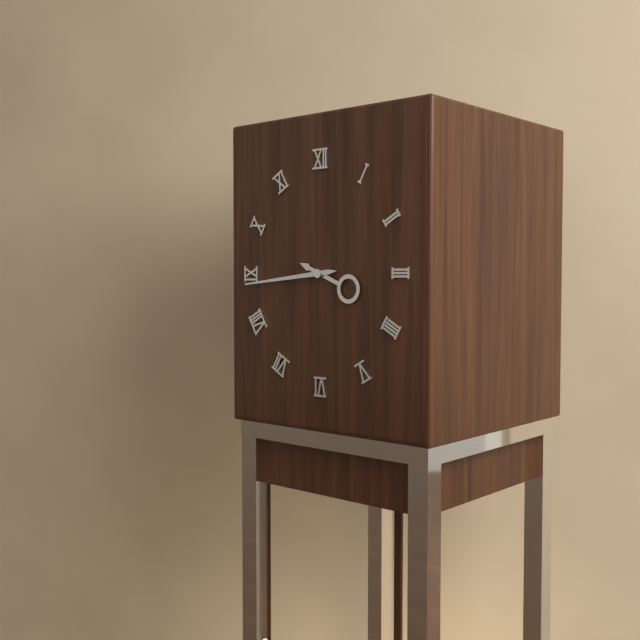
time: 3:44
